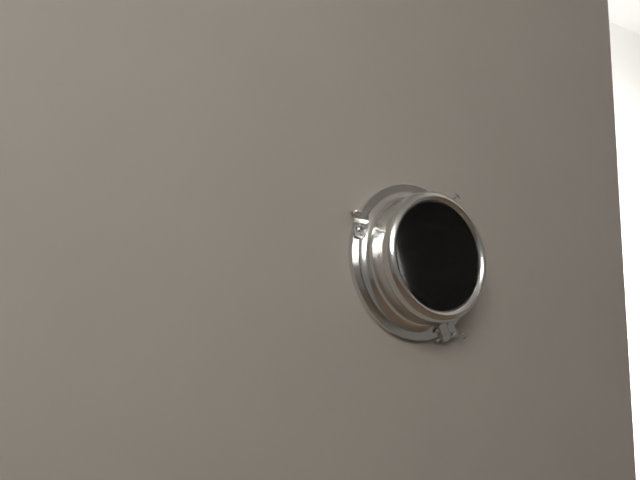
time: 12:01
